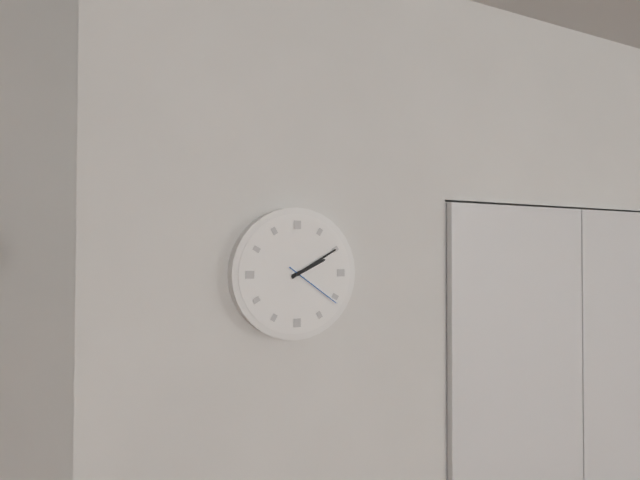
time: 2:10:21
